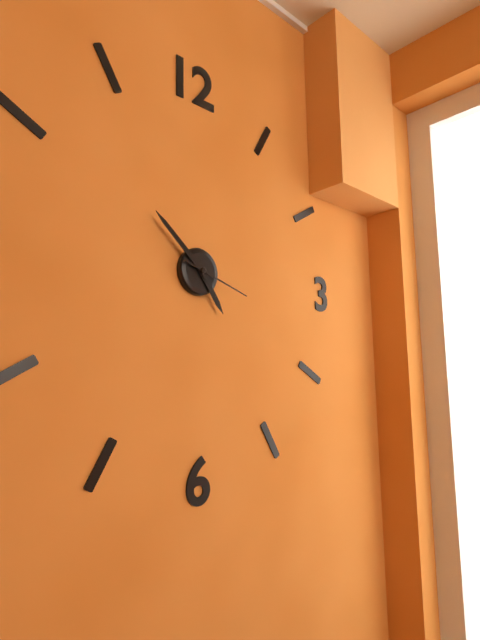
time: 4:52:18
